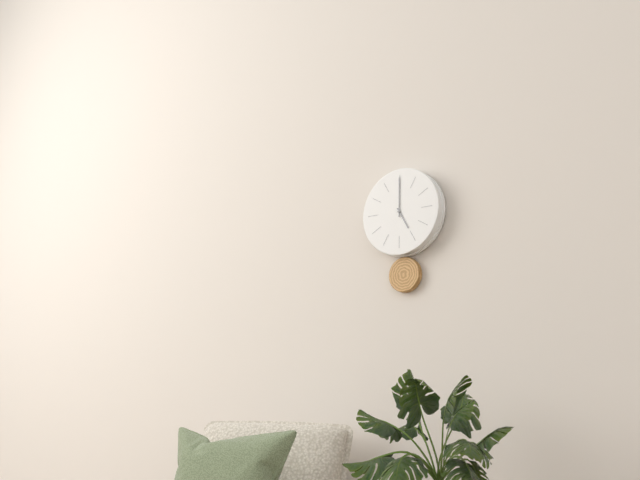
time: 5:00
